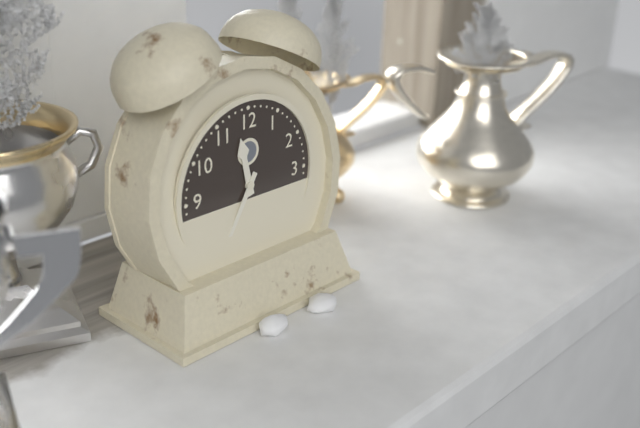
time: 11:35
